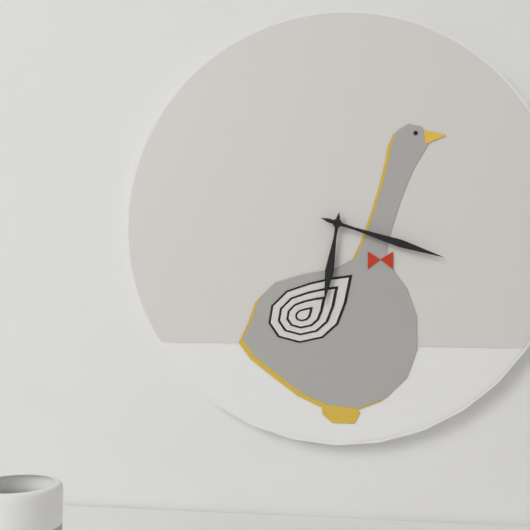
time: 6:18
